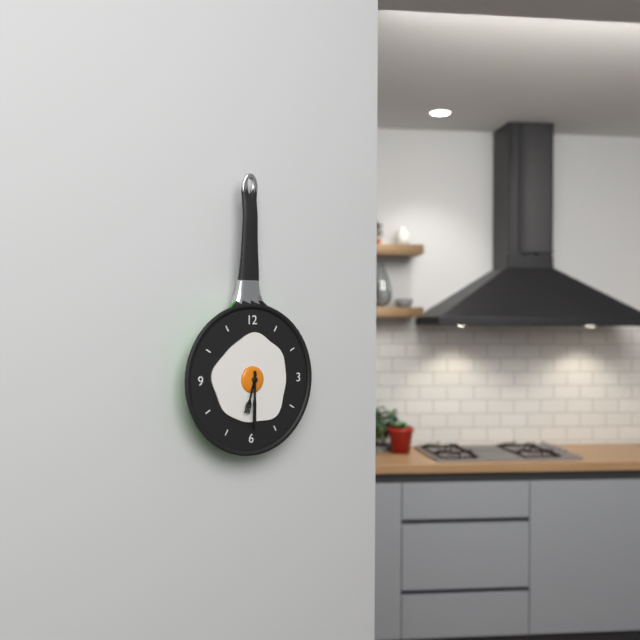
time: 6:30
